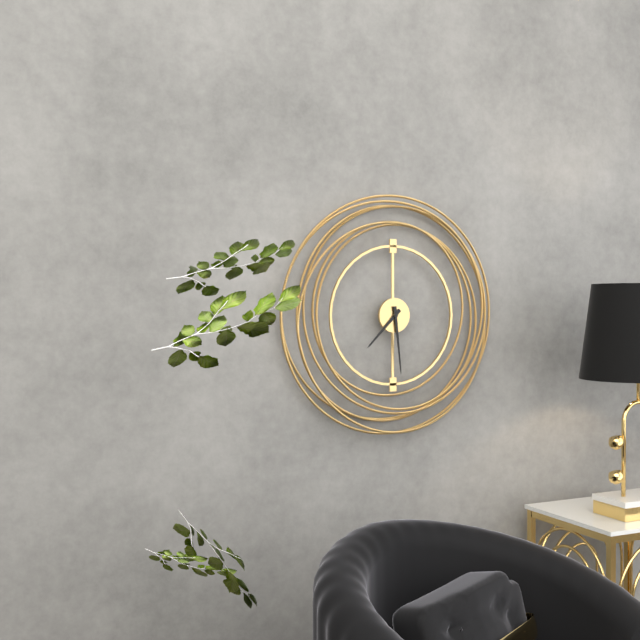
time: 7:29
